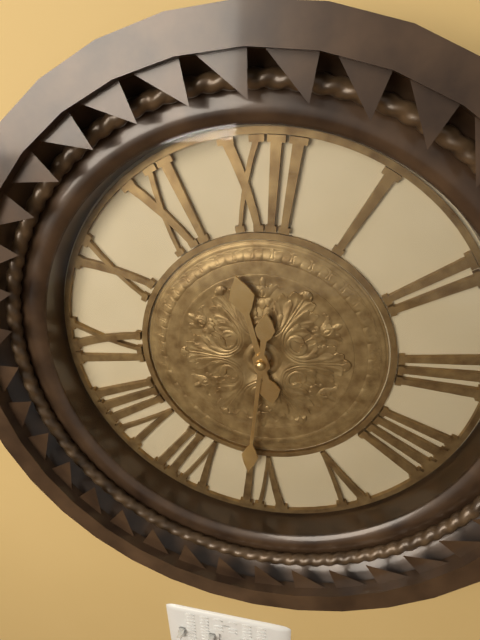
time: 11:31
